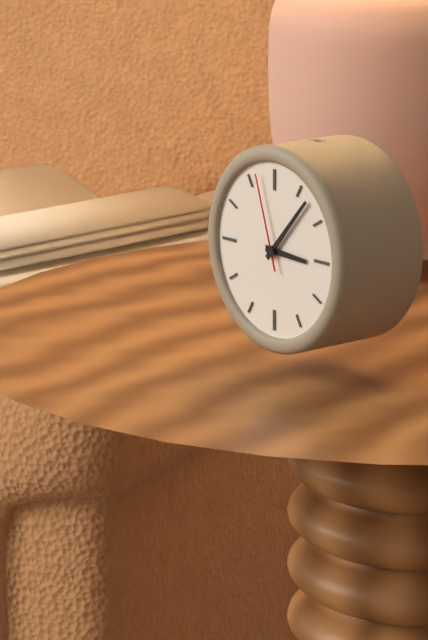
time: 3:07:57
